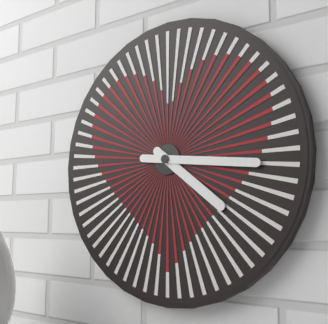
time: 4:16
